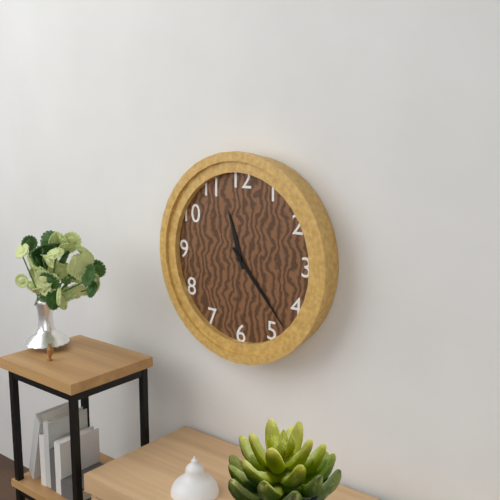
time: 11:23
